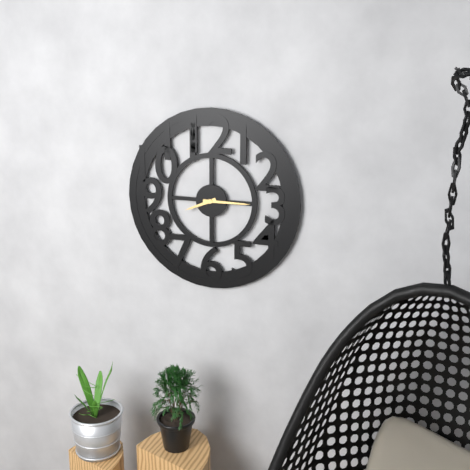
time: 8:15
